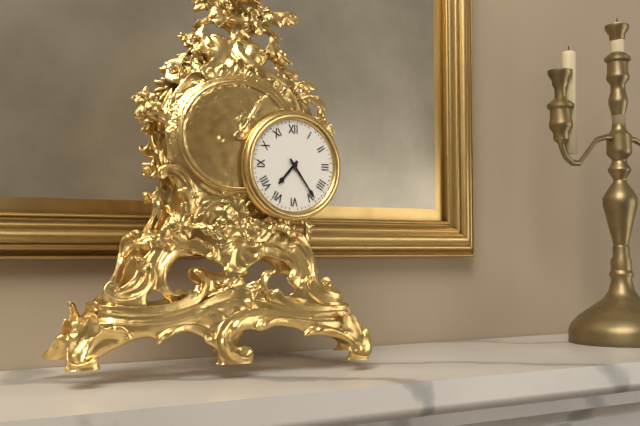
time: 7:24
